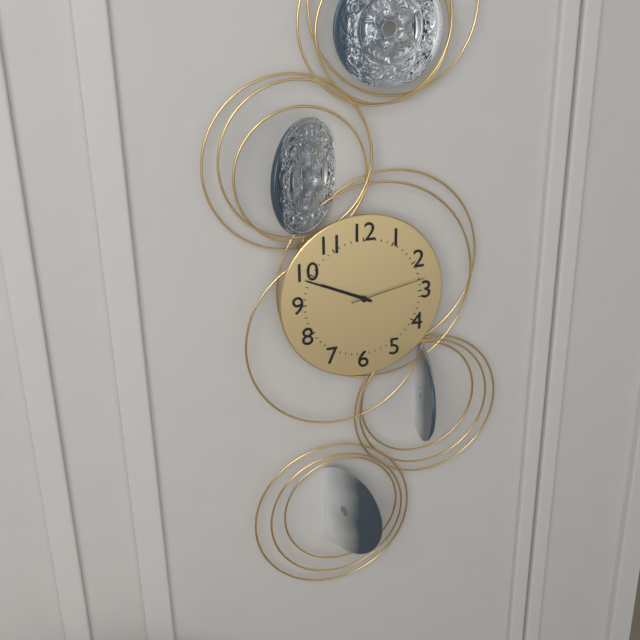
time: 9:49:13
